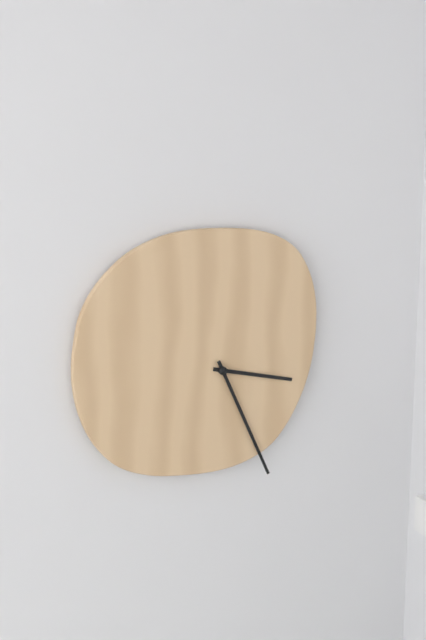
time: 3:26
